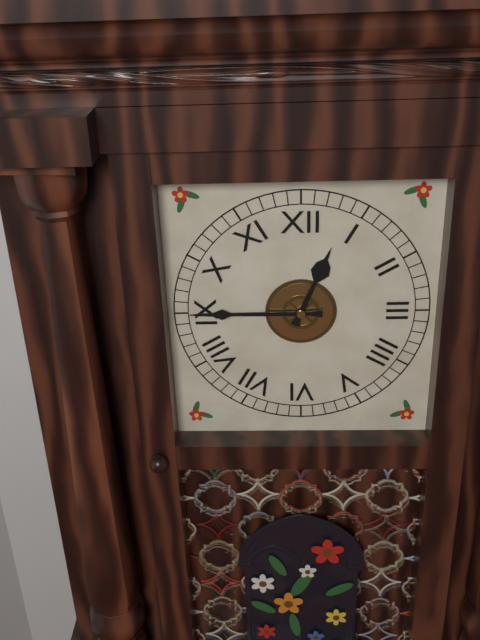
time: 12:45
